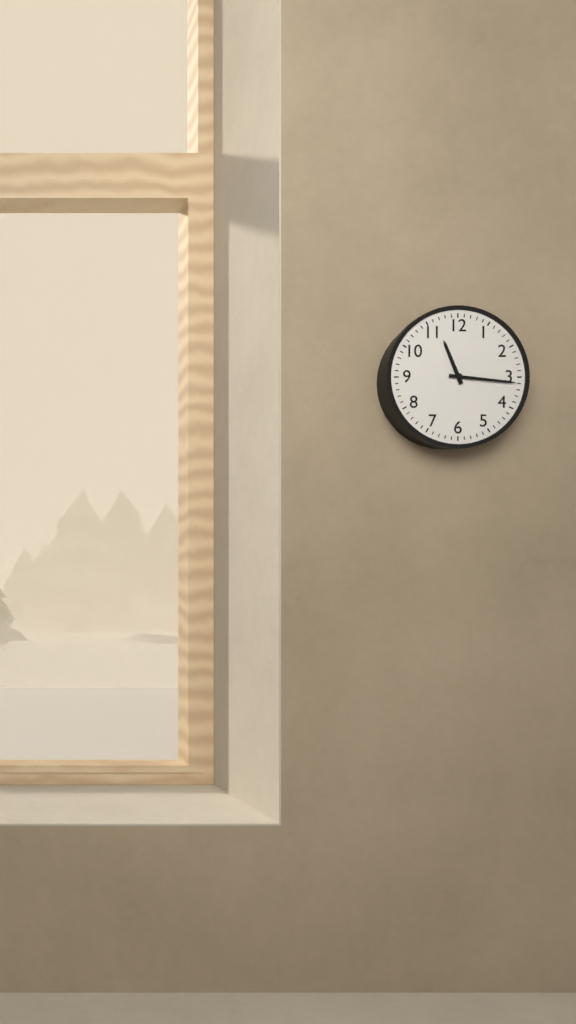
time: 11:16
